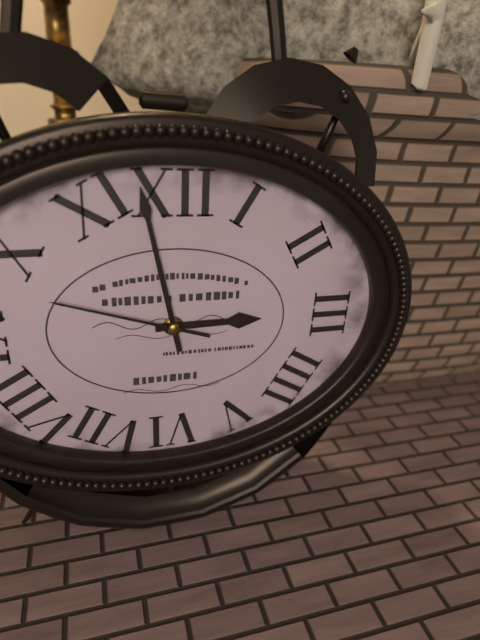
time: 2:58:48
